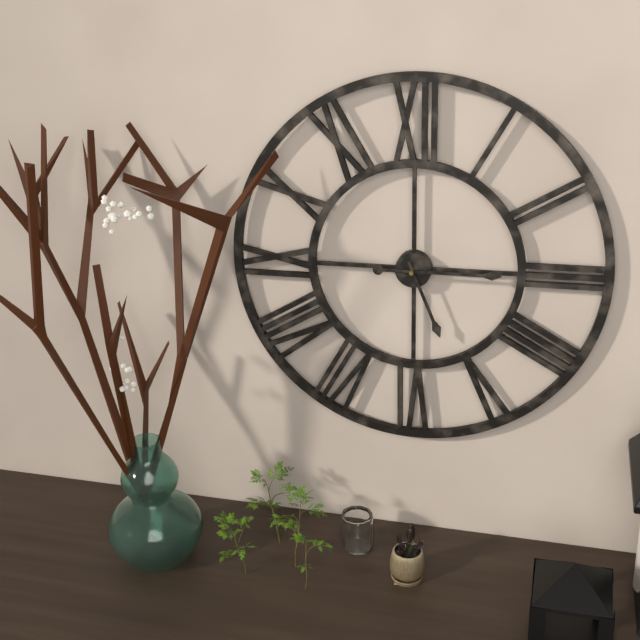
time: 5:15
